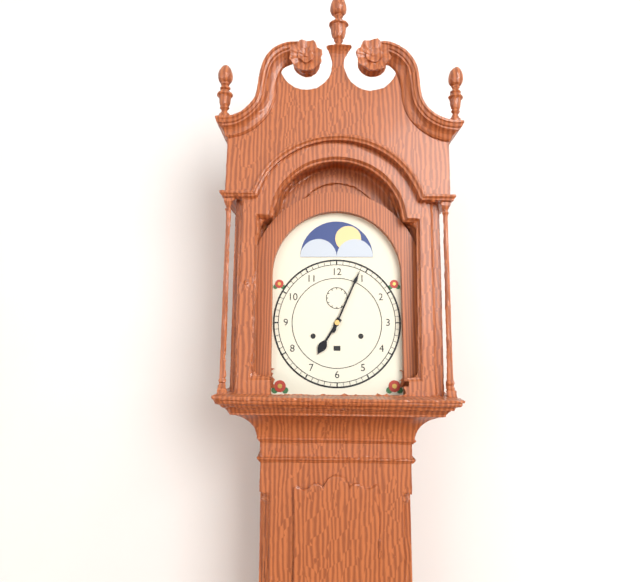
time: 7:04
